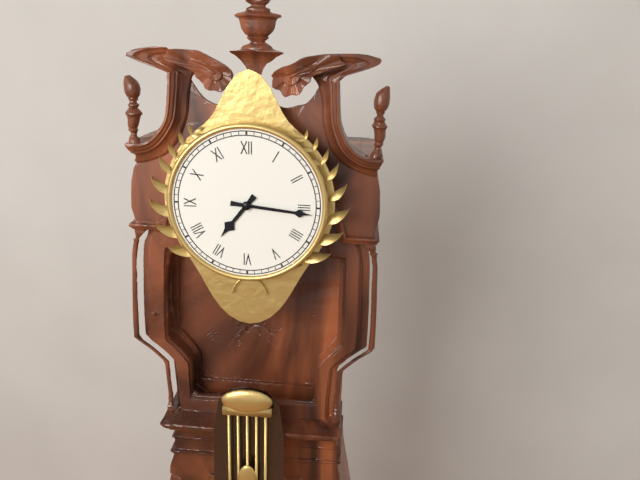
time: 7:16
